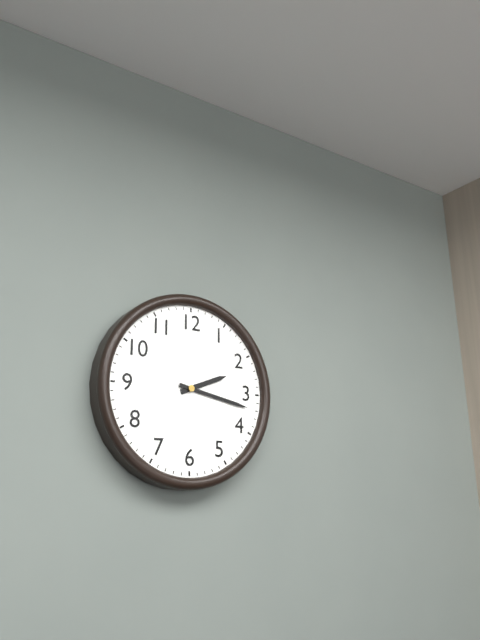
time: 2:17
